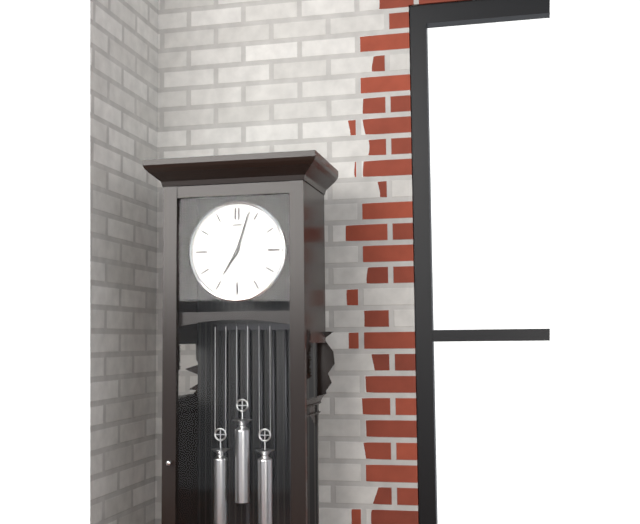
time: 7:03
